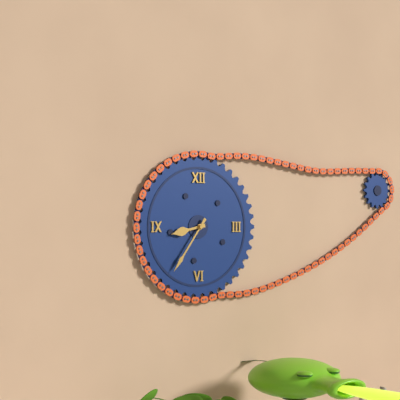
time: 8:36
